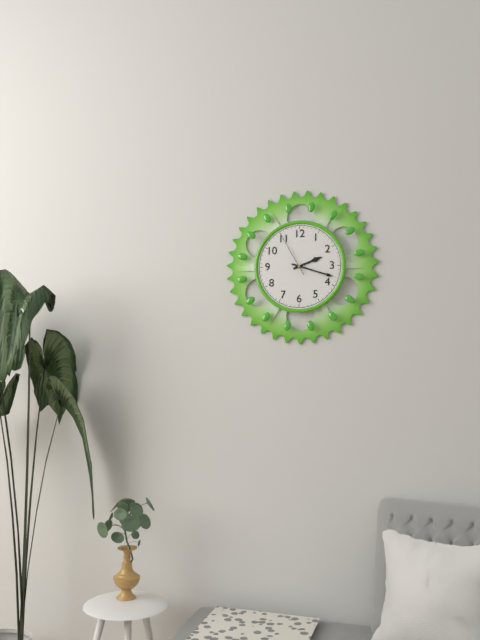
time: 2:18
